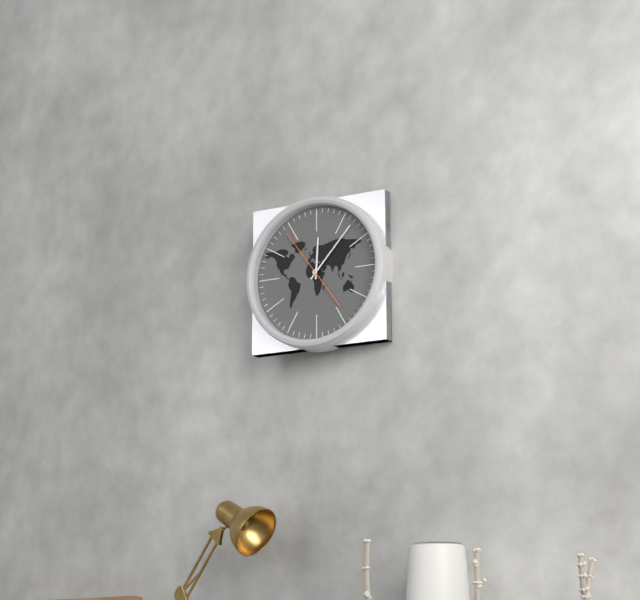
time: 12:07:54
